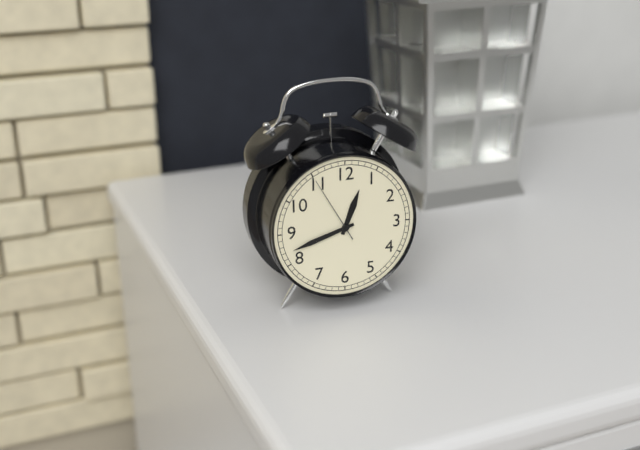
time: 12:42:55
